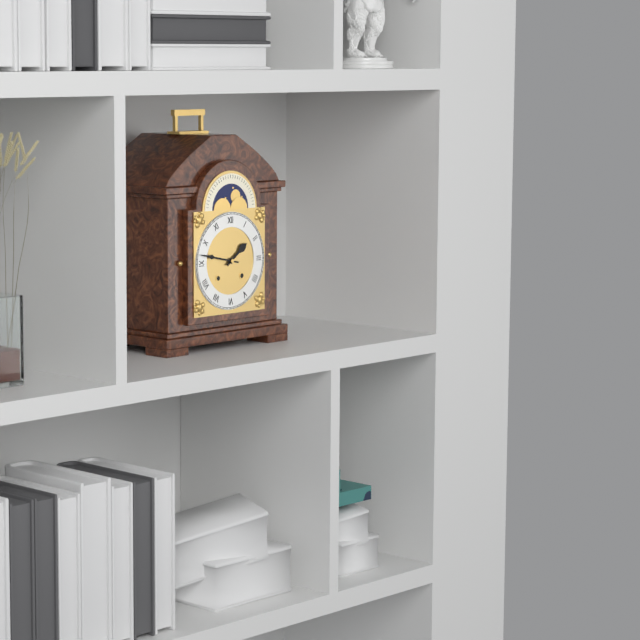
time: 1:47
